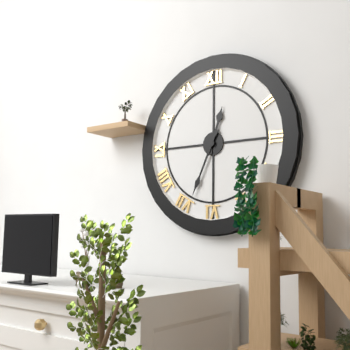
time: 12:34
